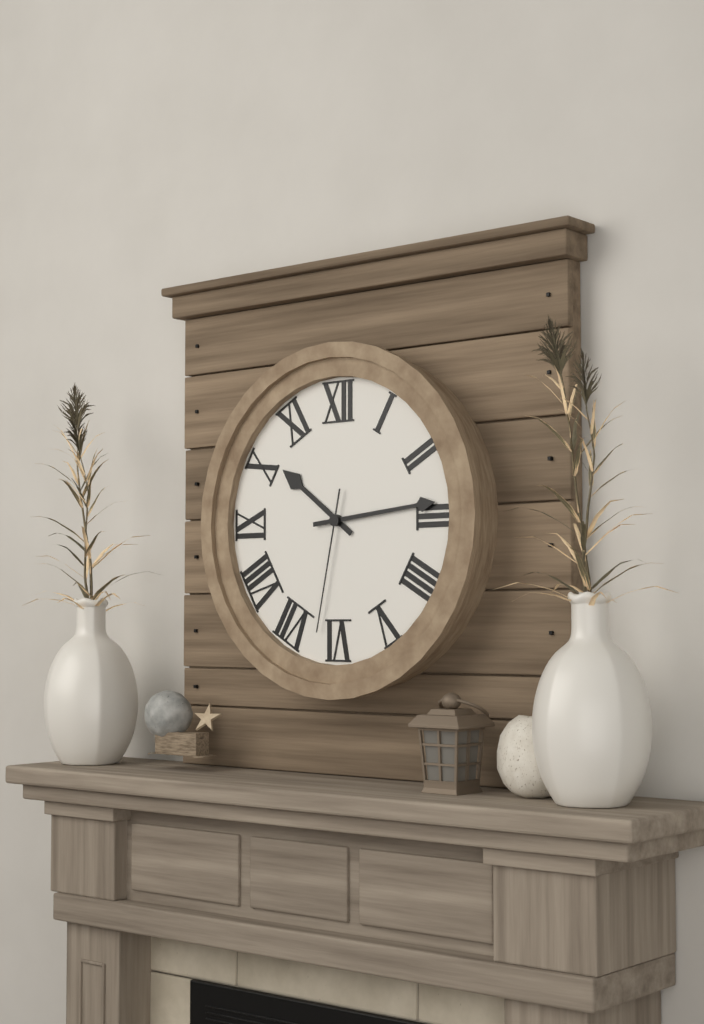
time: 10:14:32
